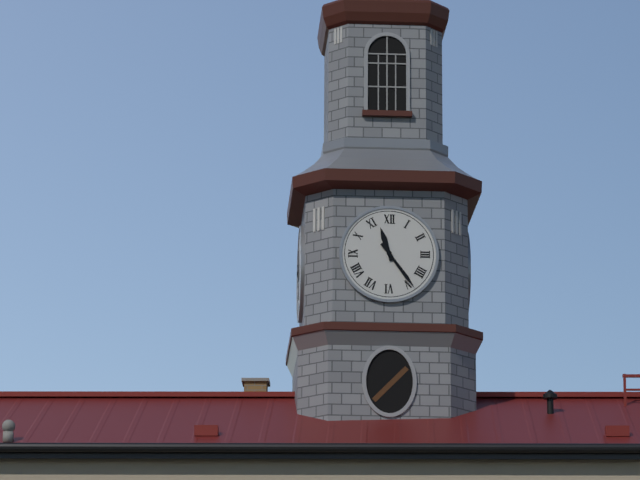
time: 11:24
